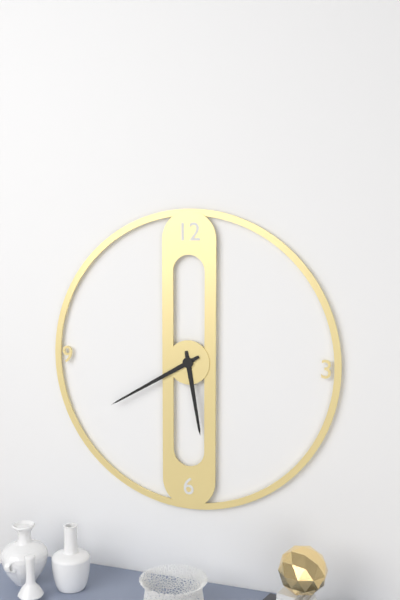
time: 5:40
